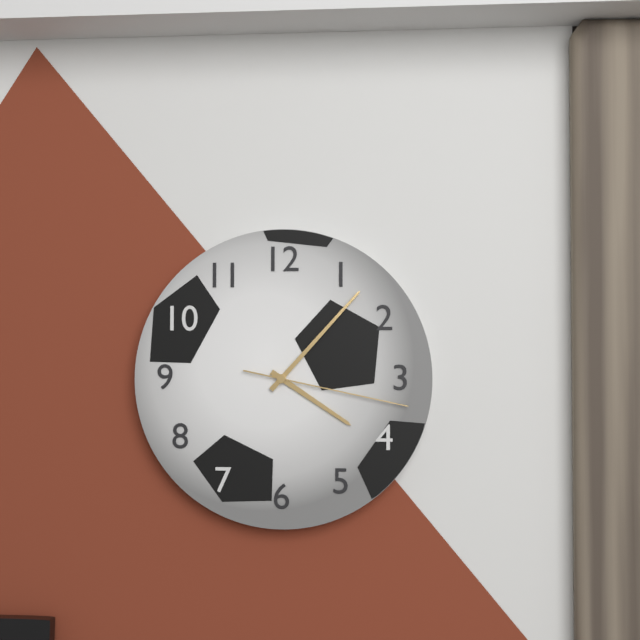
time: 4:07:17
